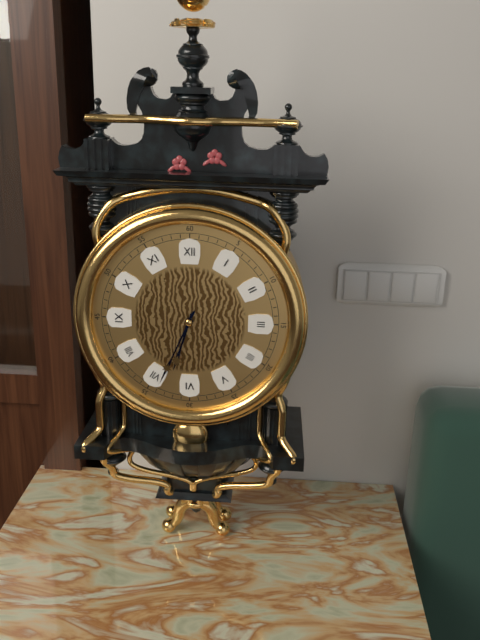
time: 6:34
